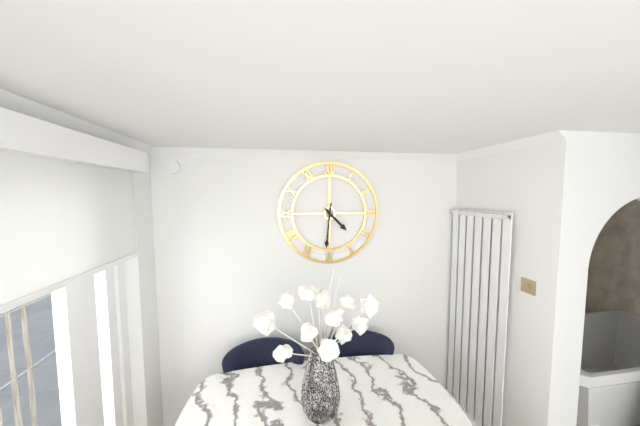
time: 4:31
